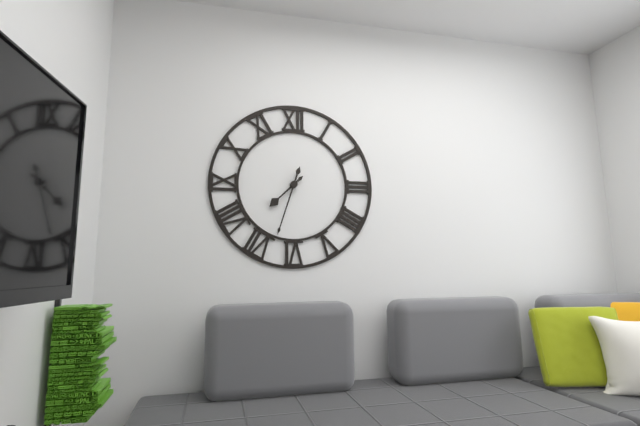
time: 7:33
